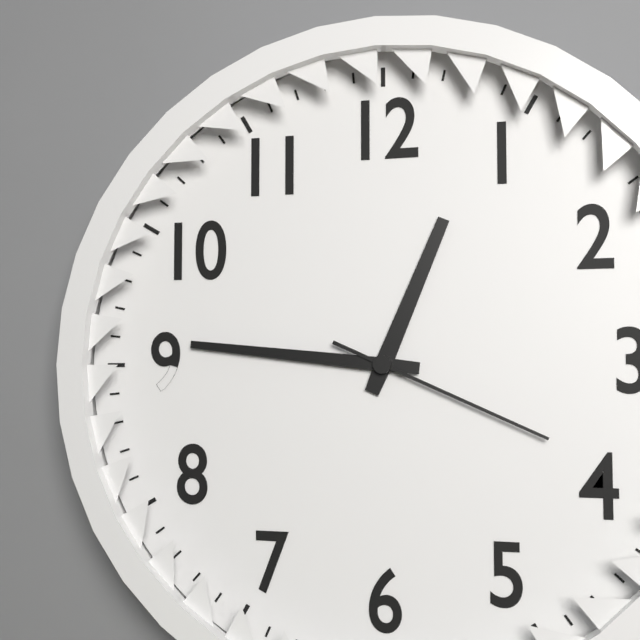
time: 12:46:19
